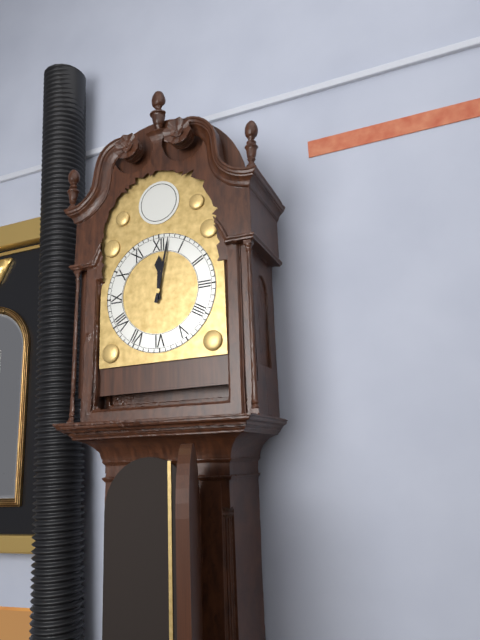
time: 12:02
